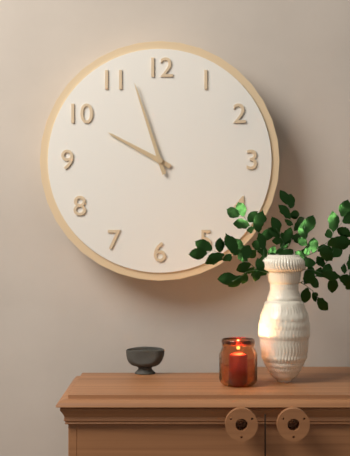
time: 9:57
